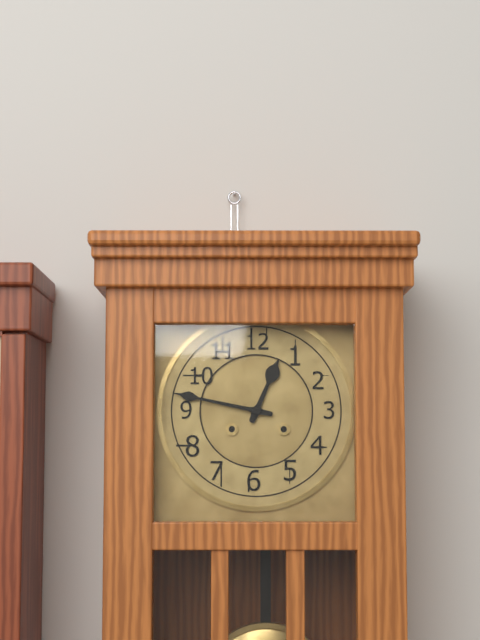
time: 12:47
